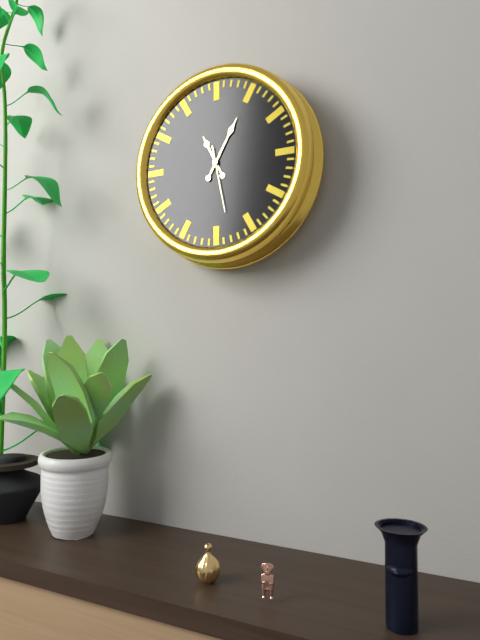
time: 11:05:28
